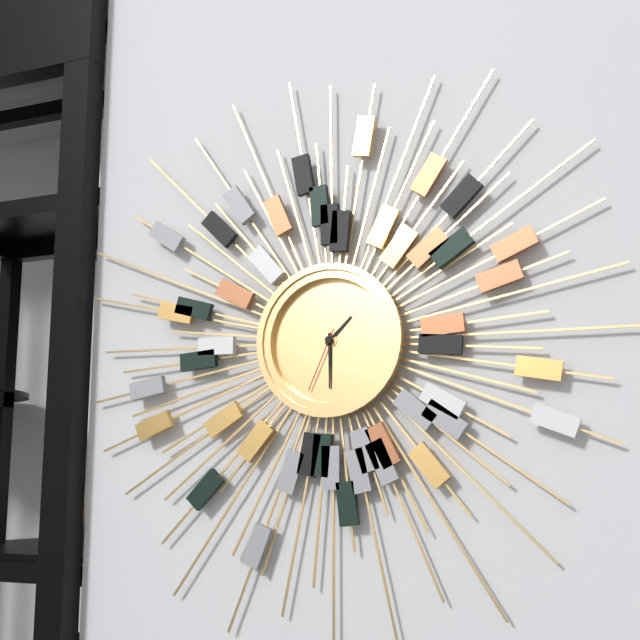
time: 1:30:34
